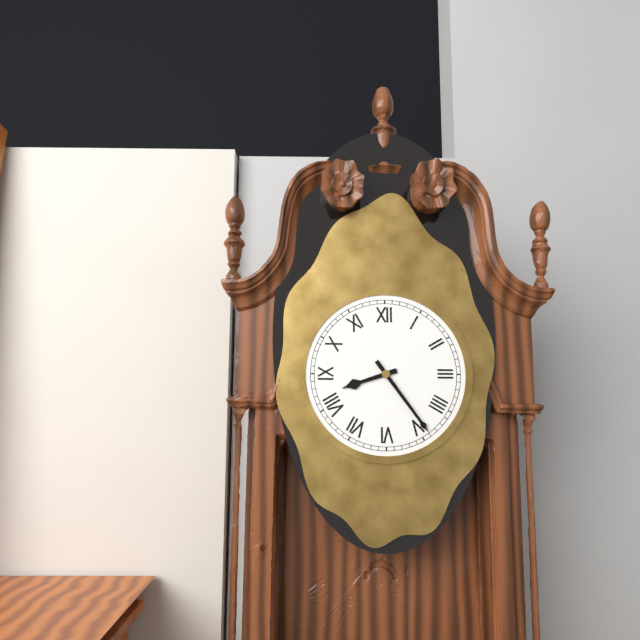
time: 8:24
